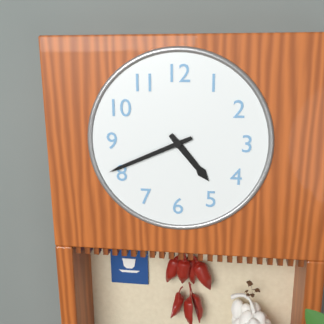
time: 4:41
